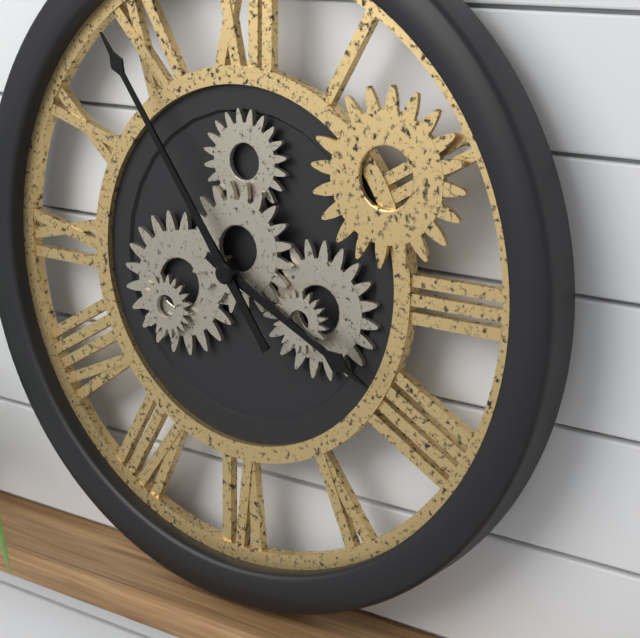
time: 3:54
